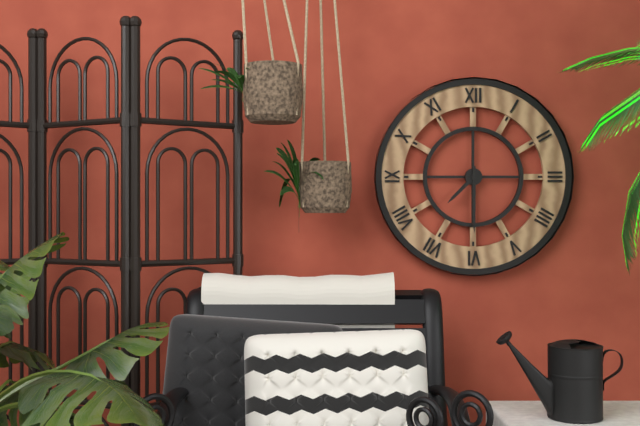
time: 7:30
